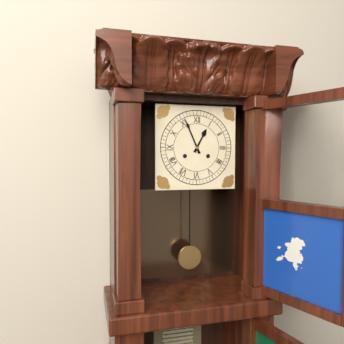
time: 12:56
